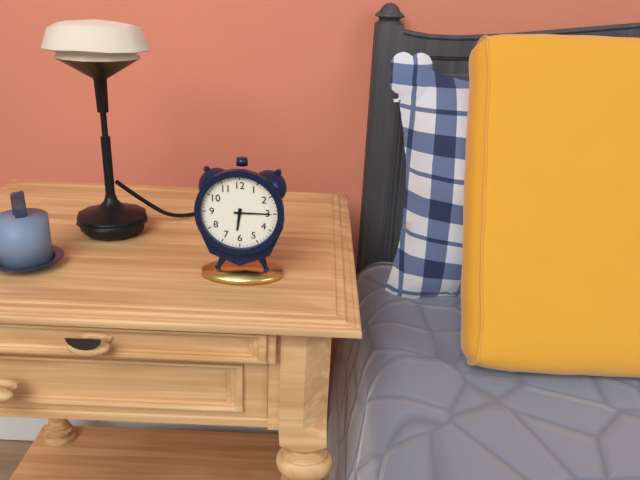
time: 6:15
